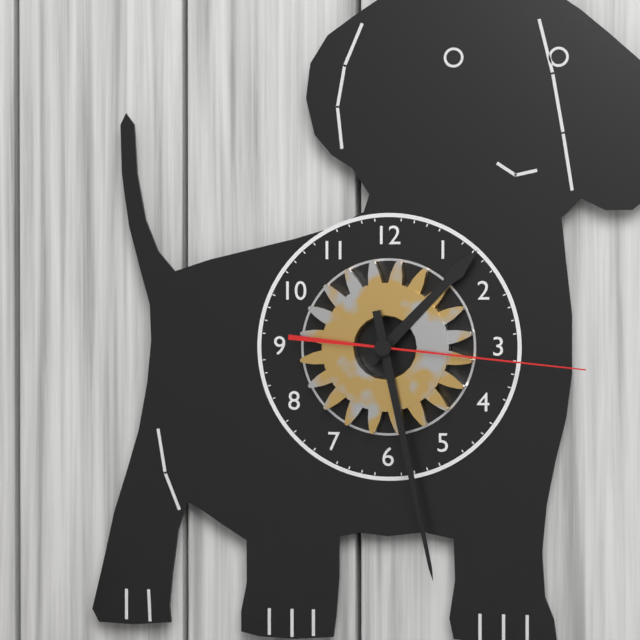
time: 1:28:16
